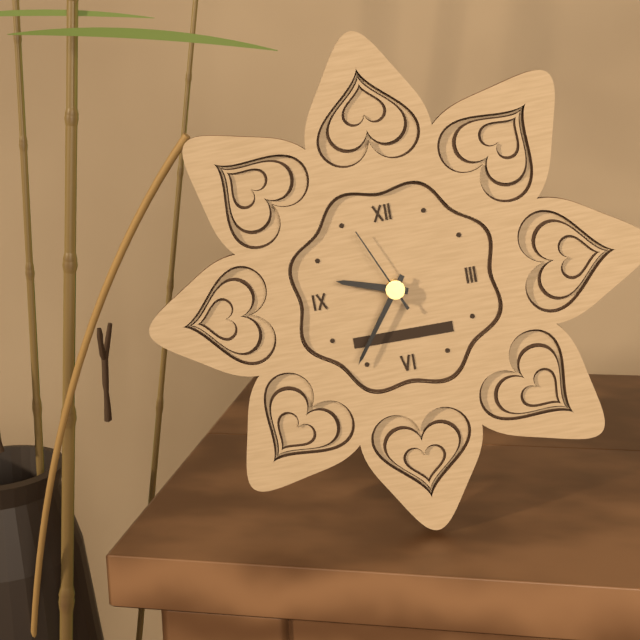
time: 9:36:56
